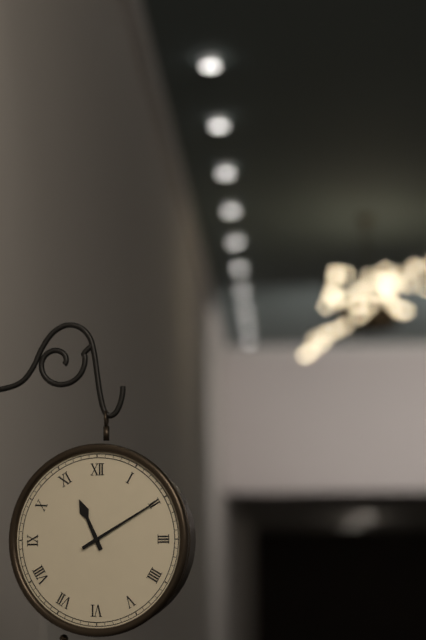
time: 11:10
